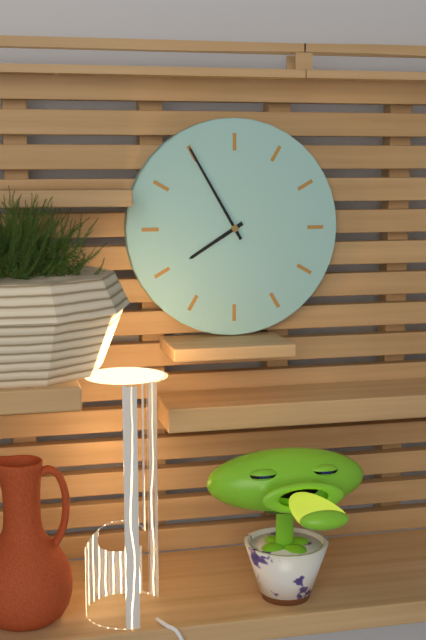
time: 7:55
